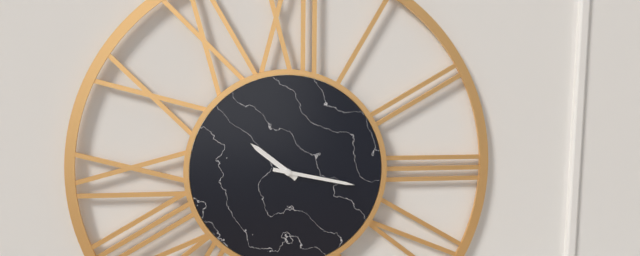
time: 10:17
